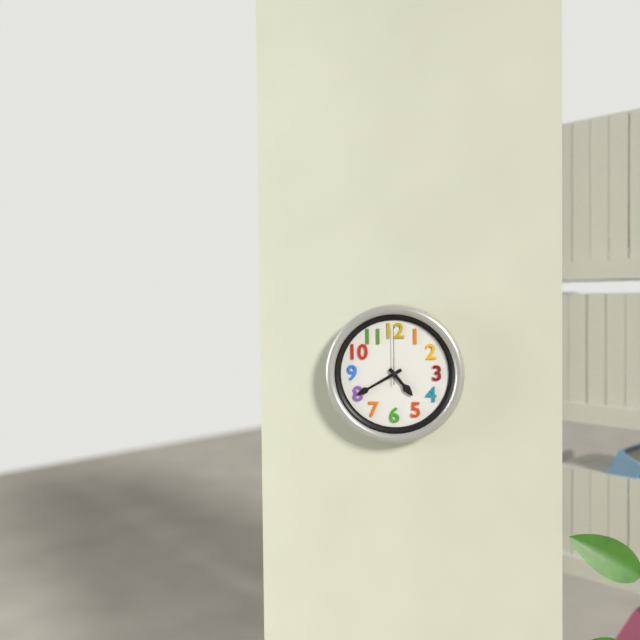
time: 4:40:00
